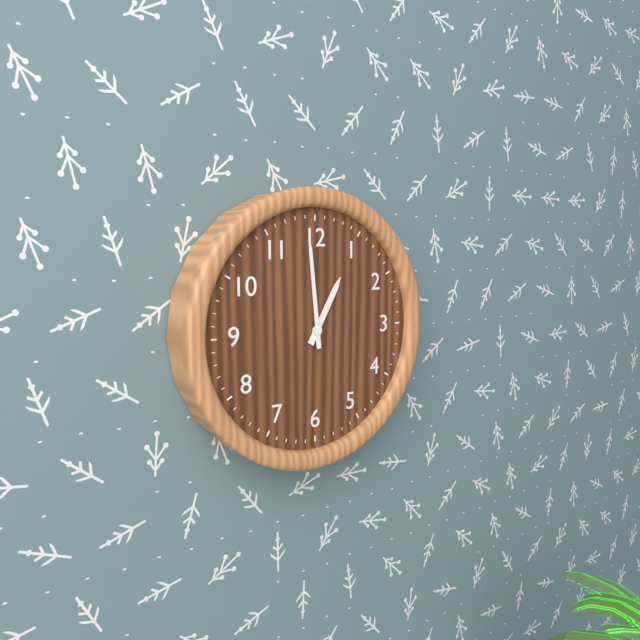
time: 12:59
